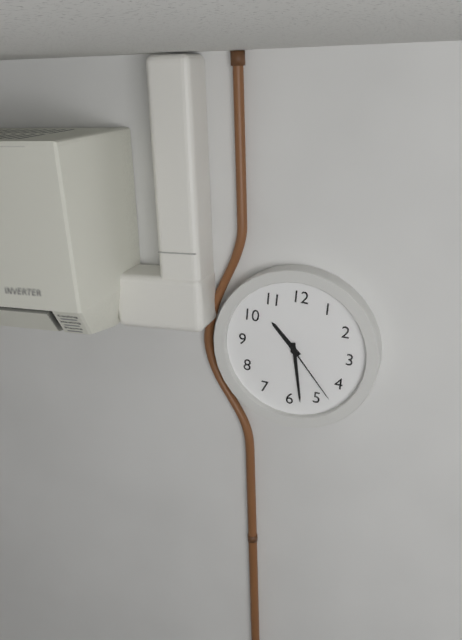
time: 10:28:23
